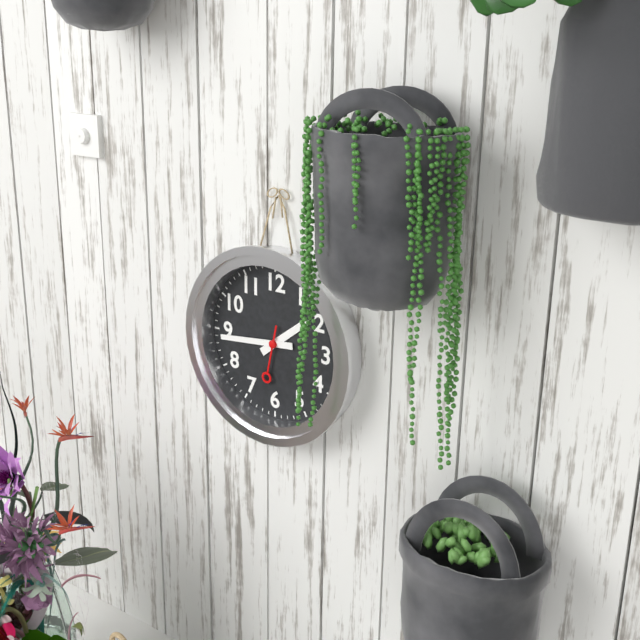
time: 1:44:32
